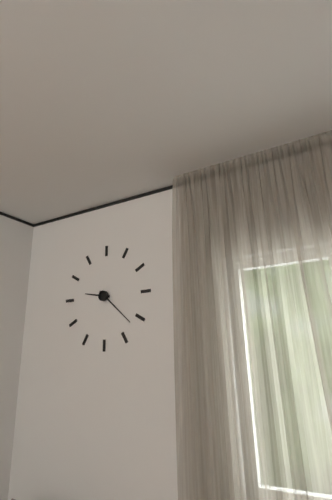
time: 9:22
